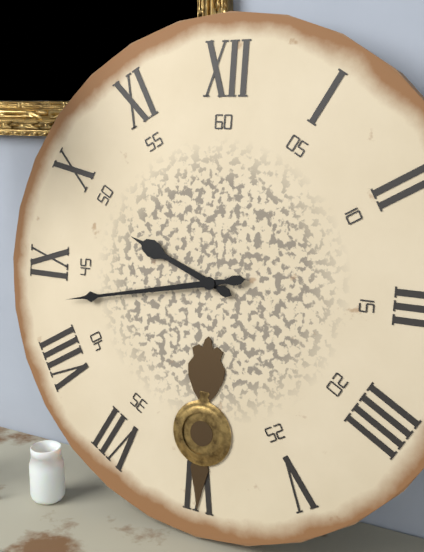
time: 9:43
